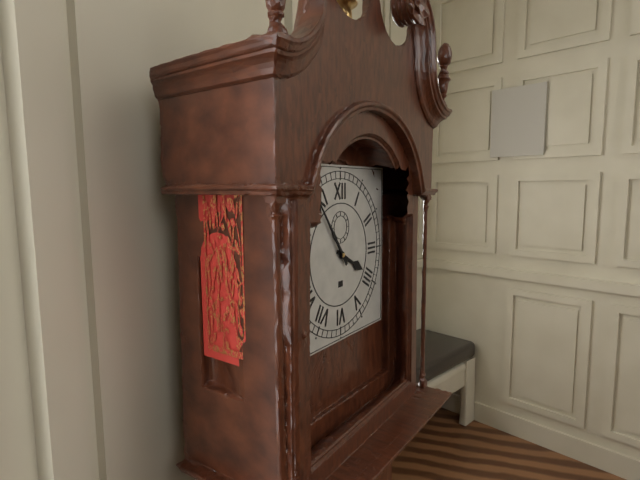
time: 3:54
